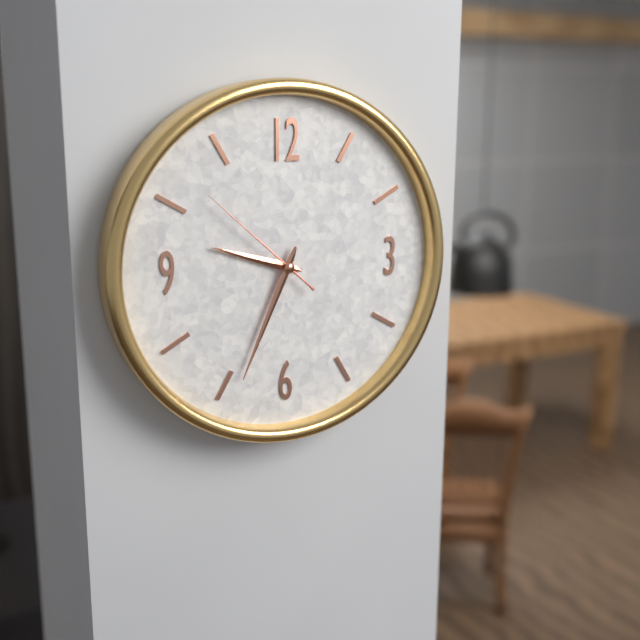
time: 9:34:52
